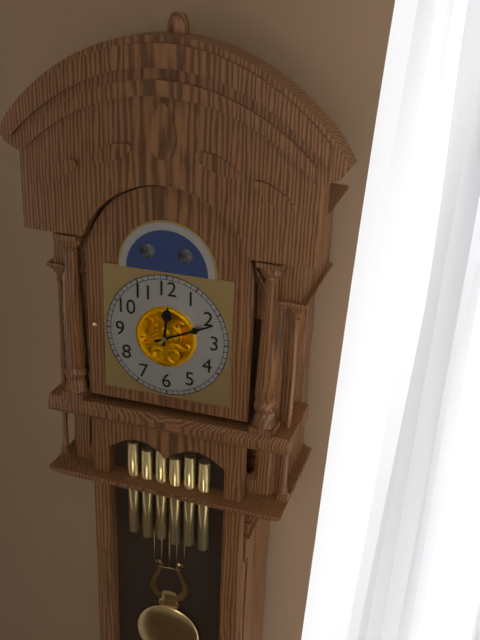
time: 12:11
